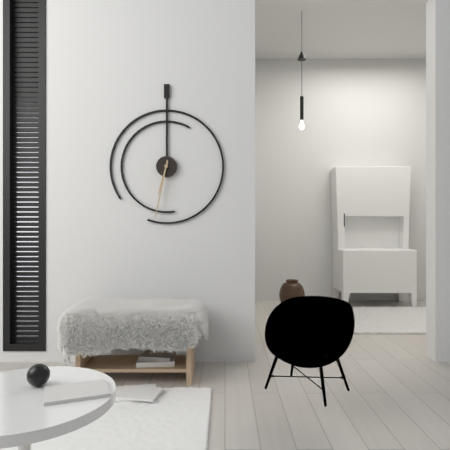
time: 6:32
